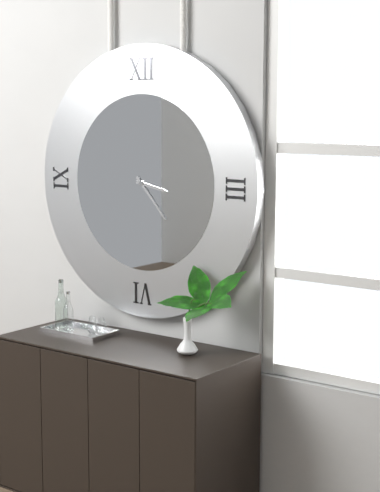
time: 3:23
